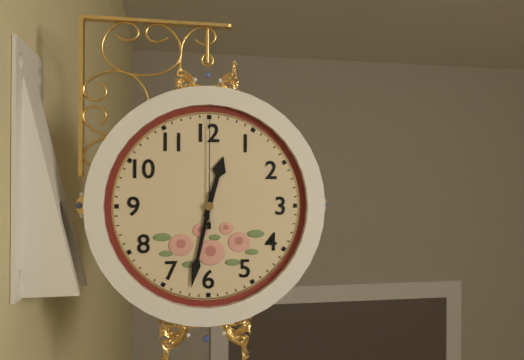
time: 12:32:00
